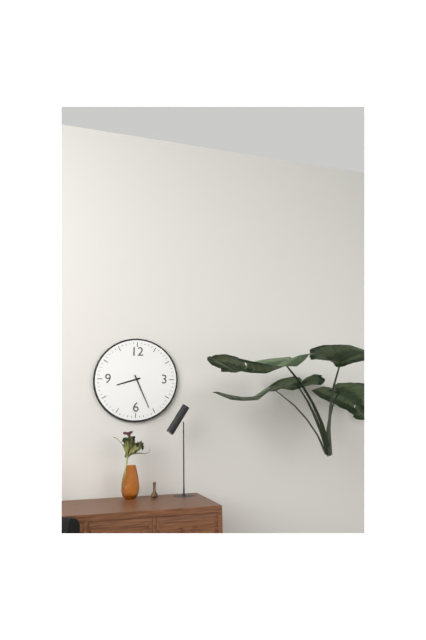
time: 8:26
